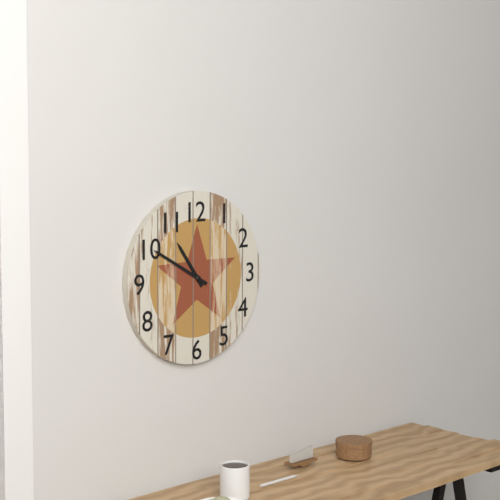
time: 10:50
